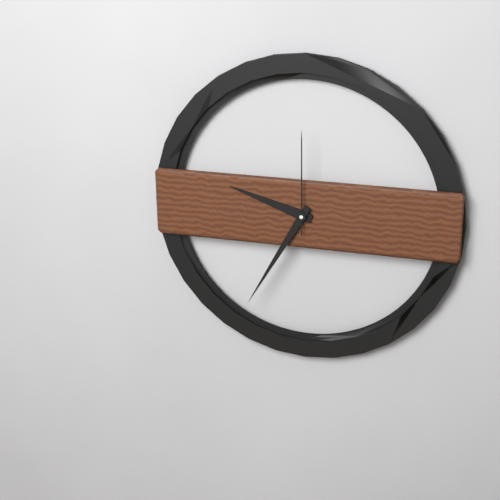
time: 9:35:00
